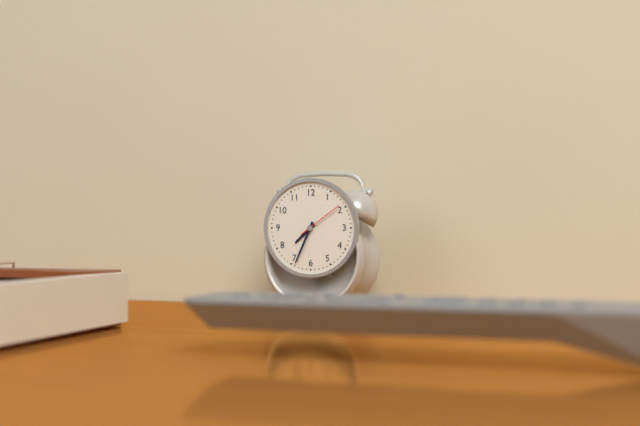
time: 7:34
